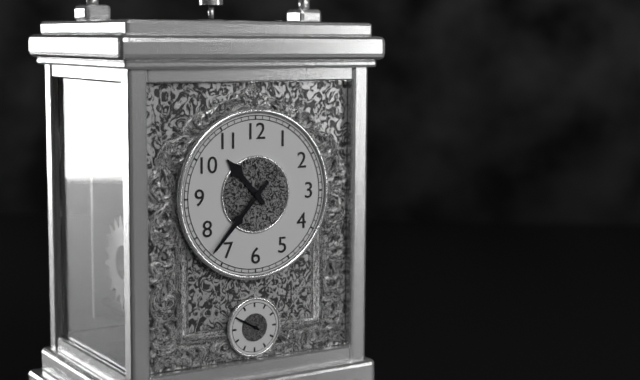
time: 10:37
